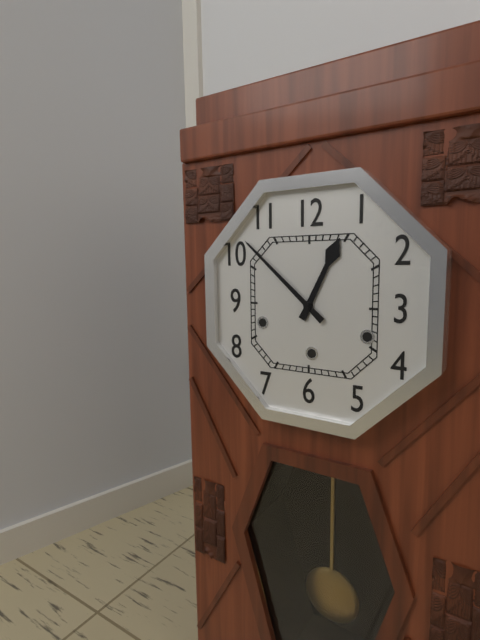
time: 12:52
